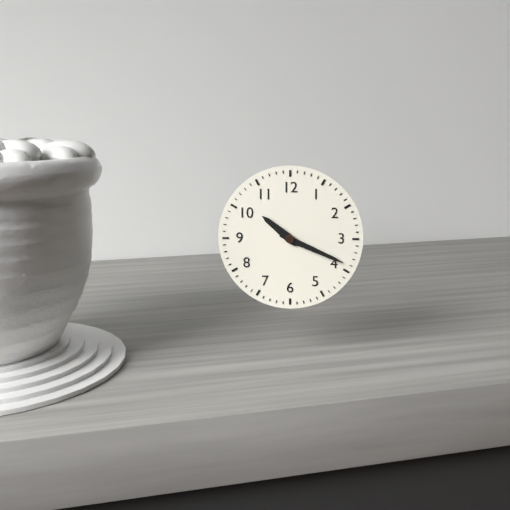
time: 10:19
